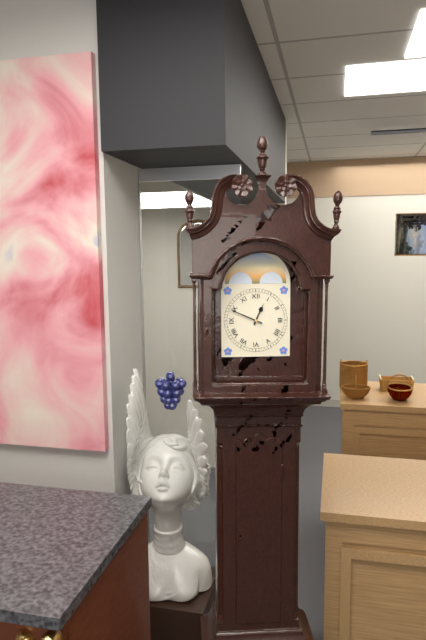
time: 12:49
